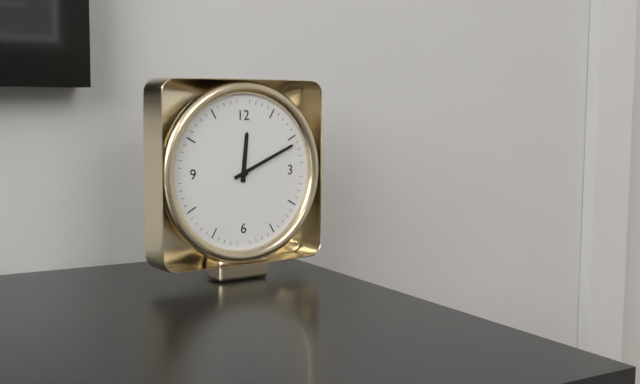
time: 12:11
